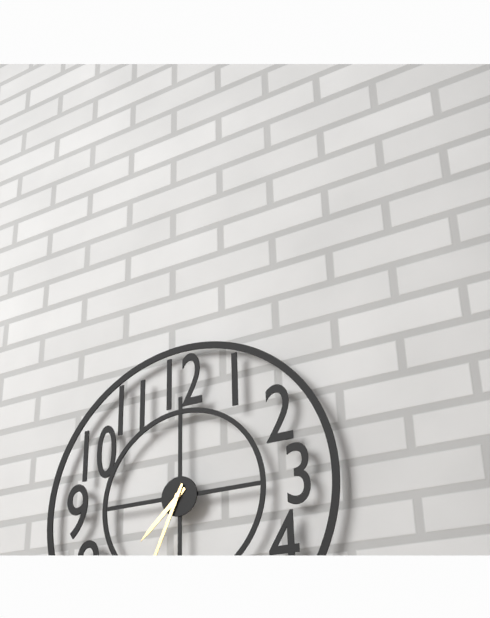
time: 7:34
